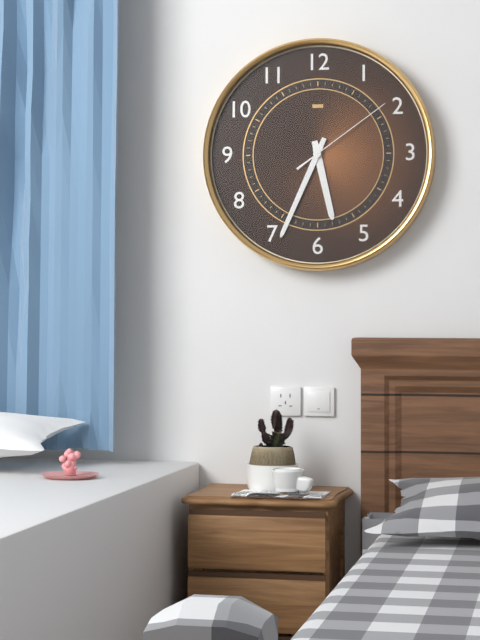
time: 5:34:09
